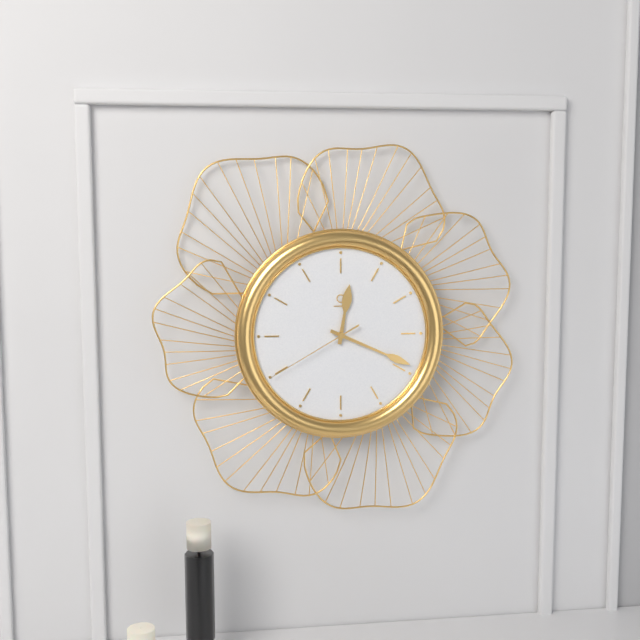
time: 12:19:40
